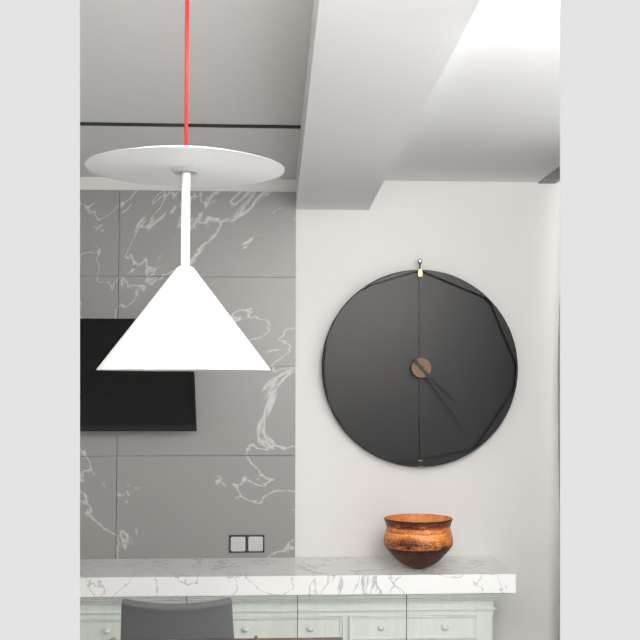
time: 4:24
